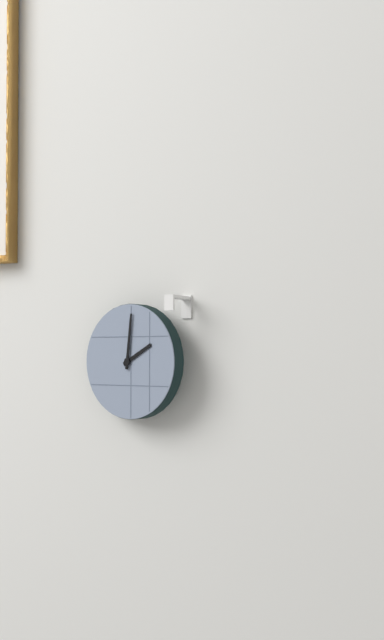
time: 2:01
